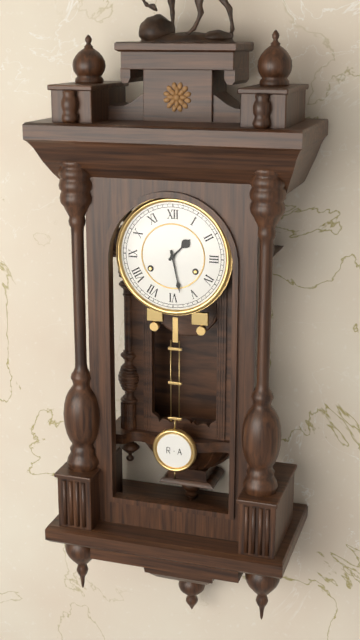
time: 1:28
